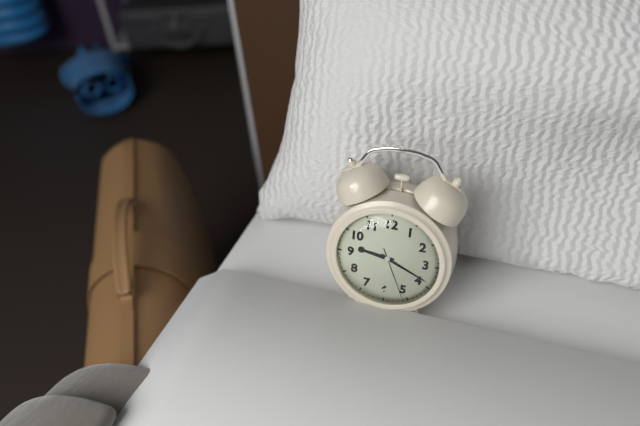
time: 9:19:26
